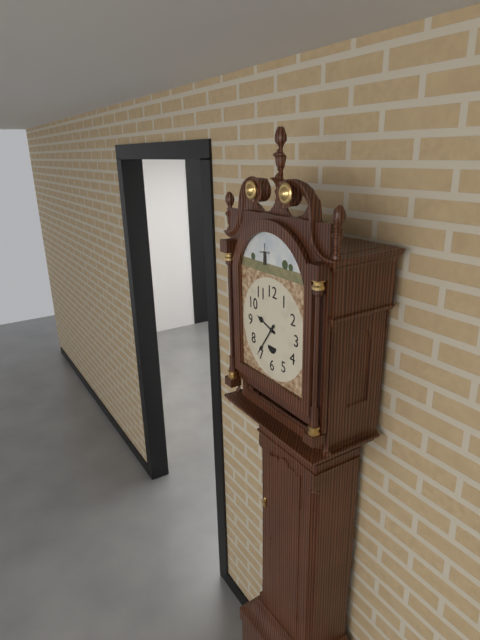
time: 9:36
